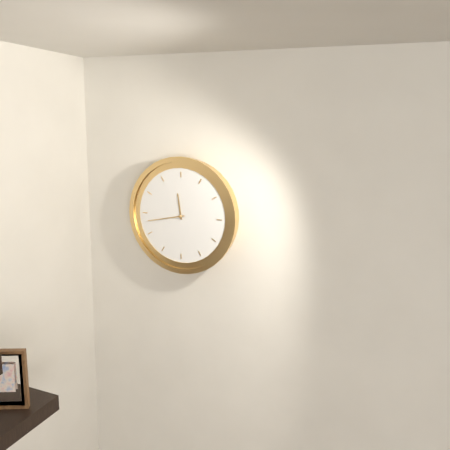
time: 11:43
